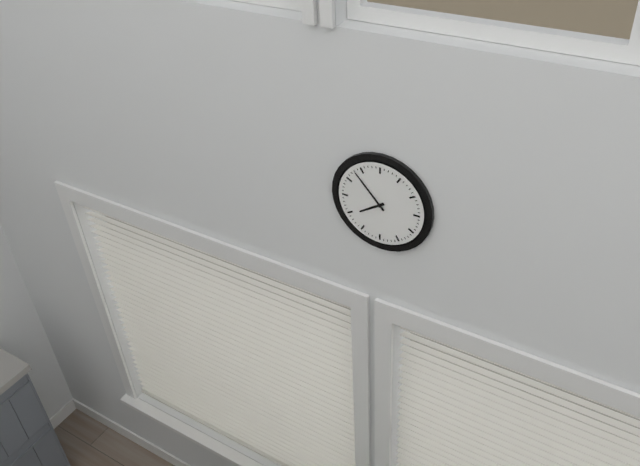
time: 7:53
